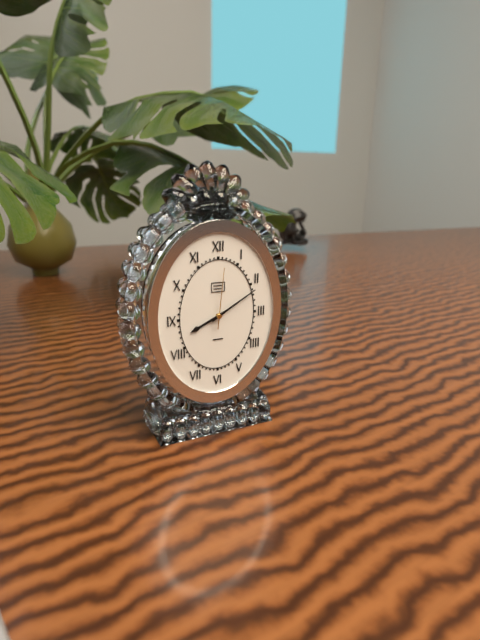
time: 8:10:01
